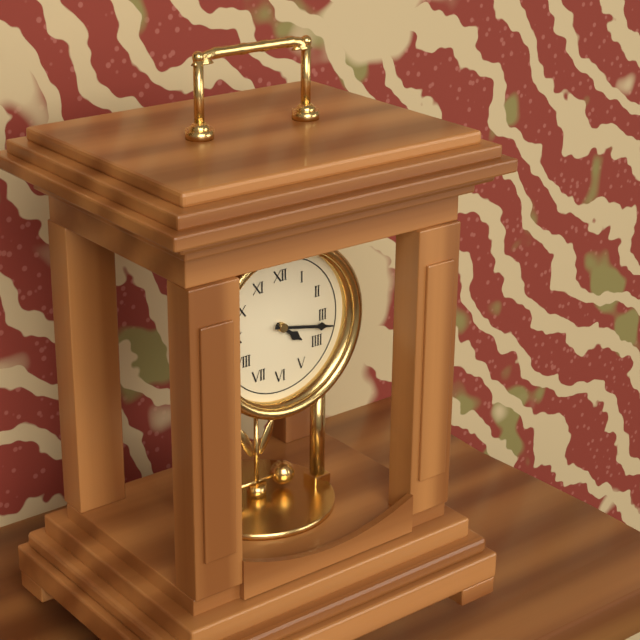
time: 4:17
